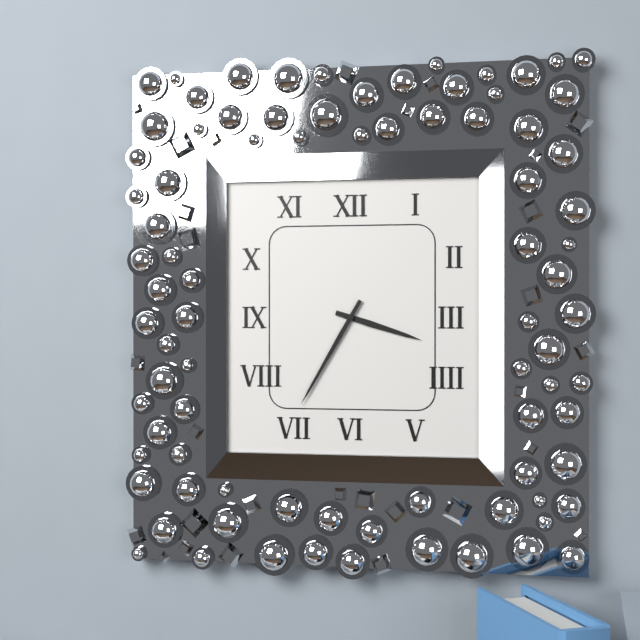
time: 3:35
